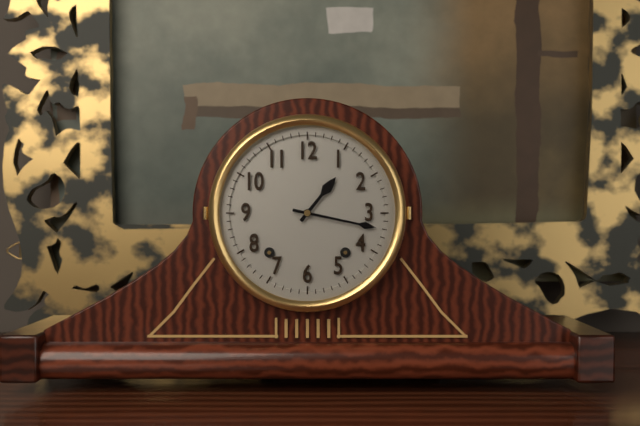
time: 1:17
